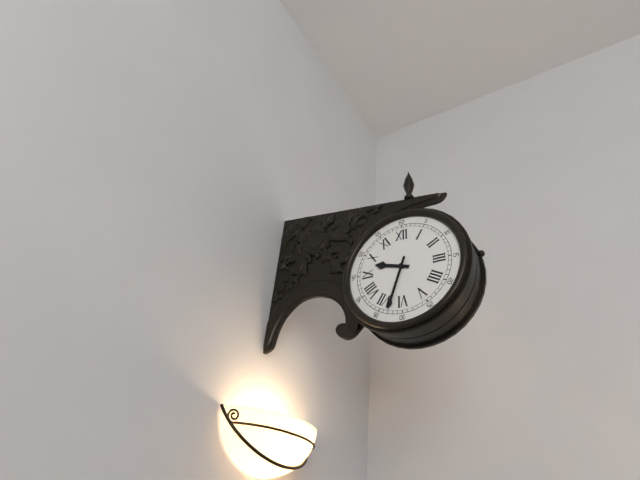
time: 9:33
